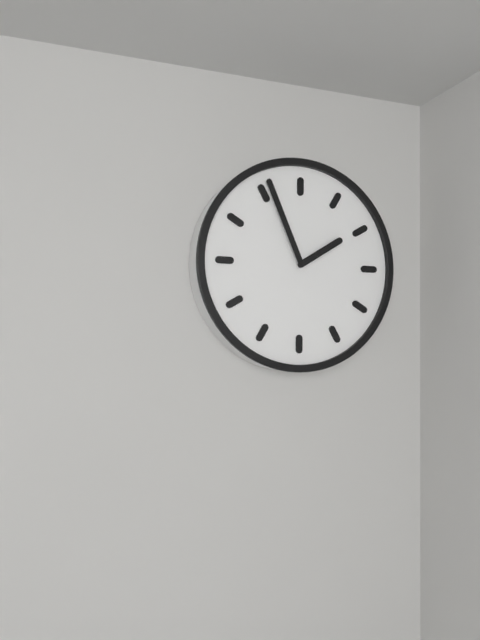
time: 1:56
